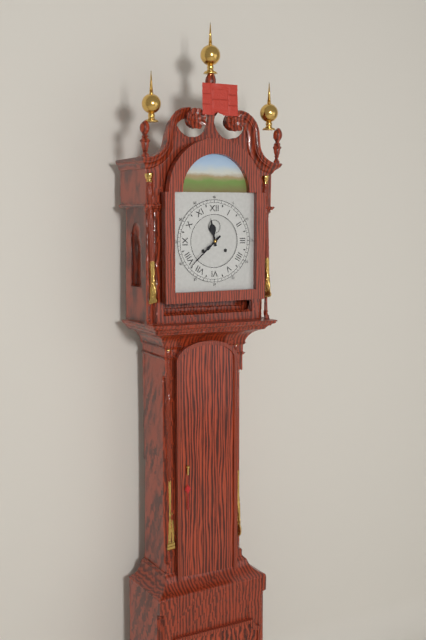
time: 11:38
